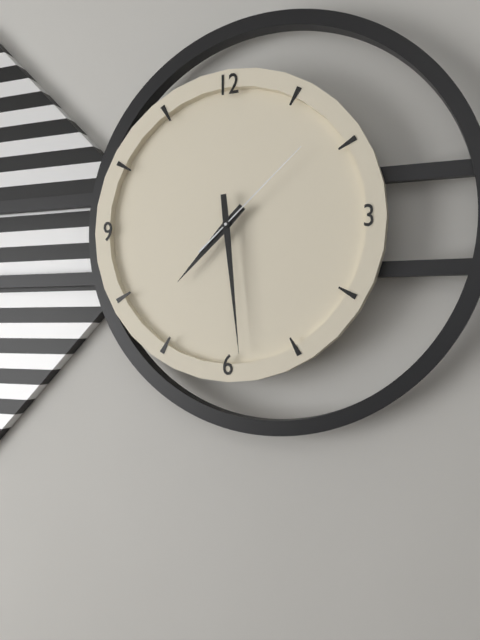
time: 7:29:08
